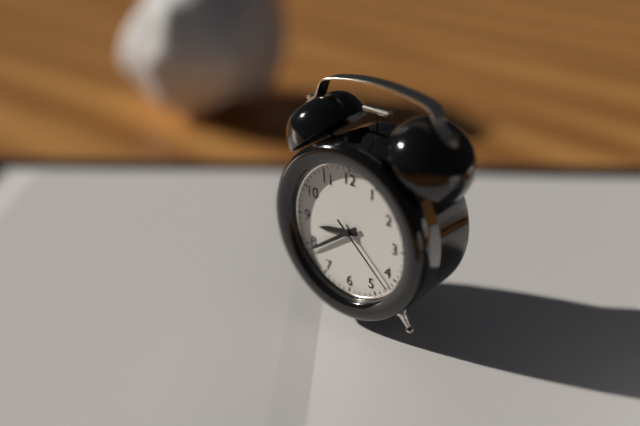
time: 8:39:22
